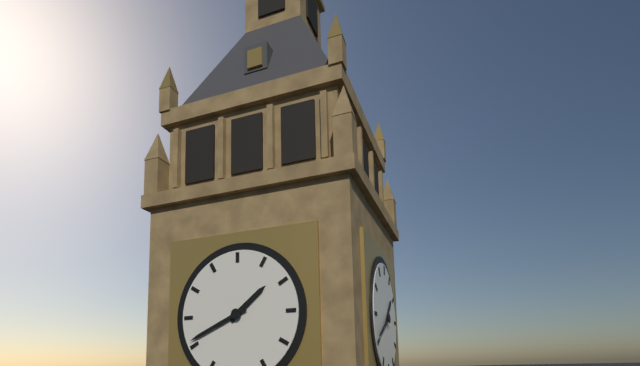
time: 1:41
